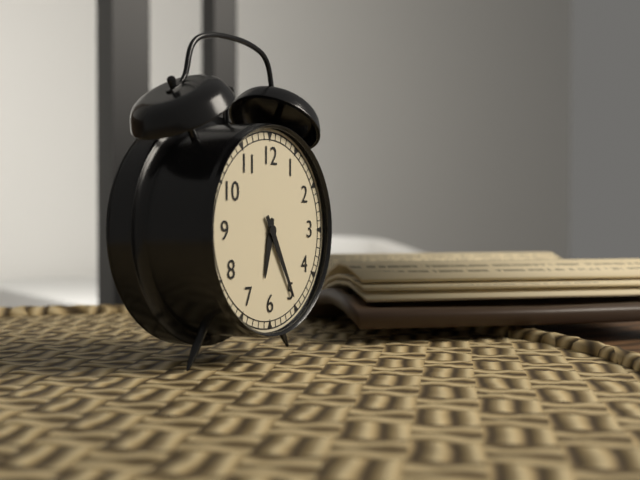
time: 6:25
